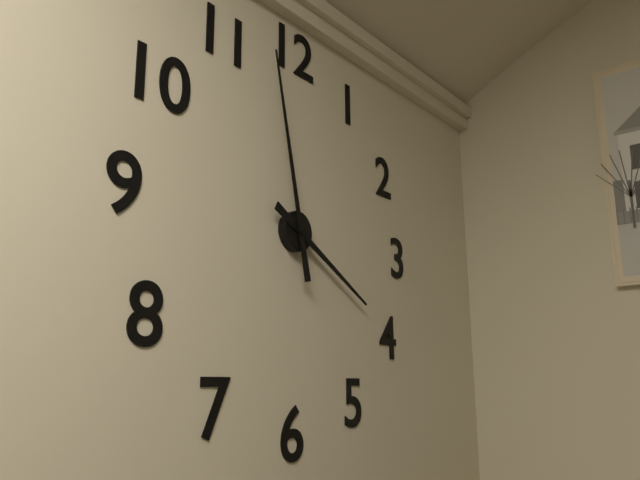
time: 3:58
